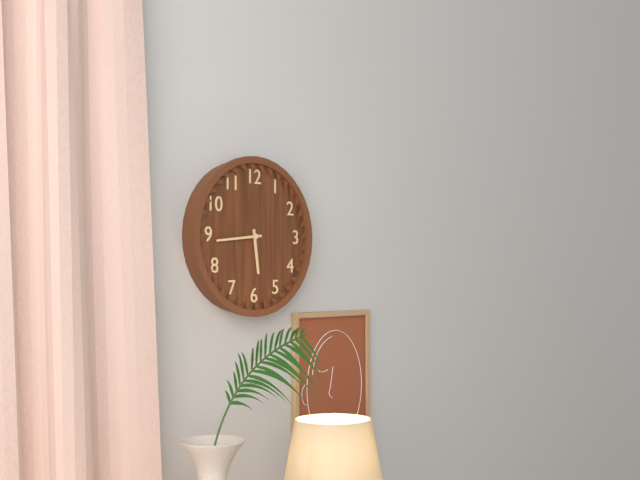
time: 5:44
